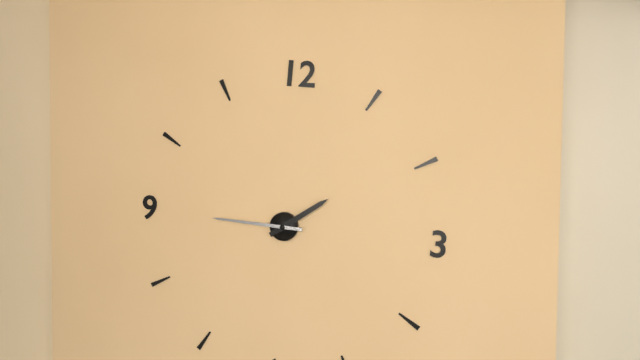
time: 1:45
